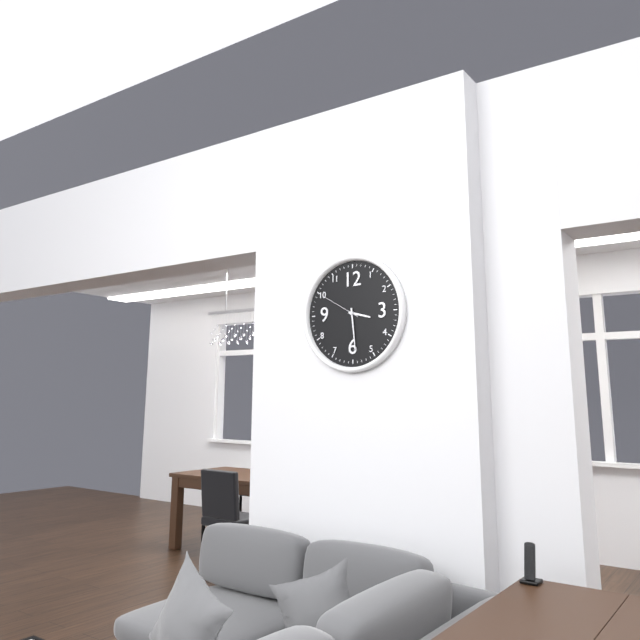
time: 3:29
